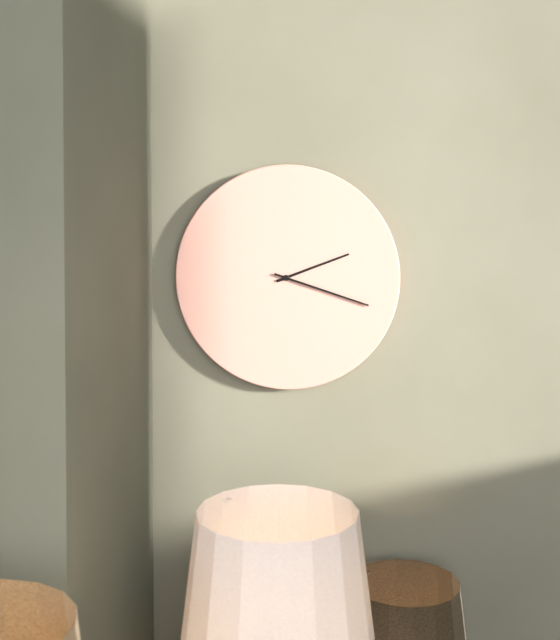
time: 2:18
